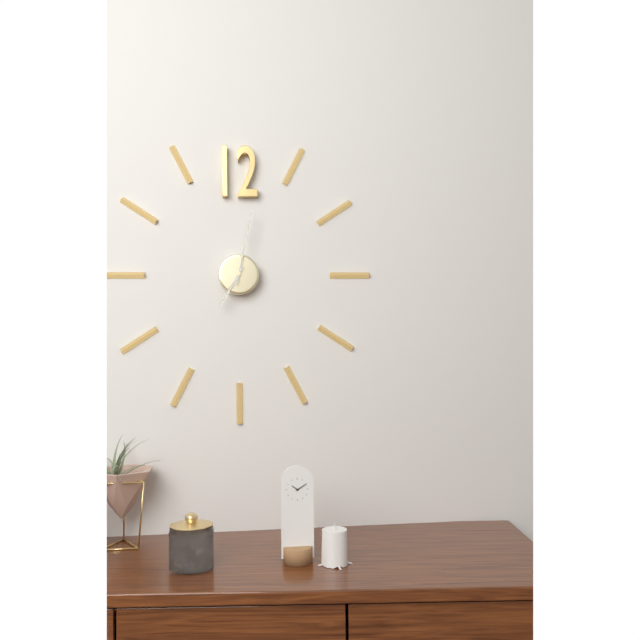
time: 7:02
